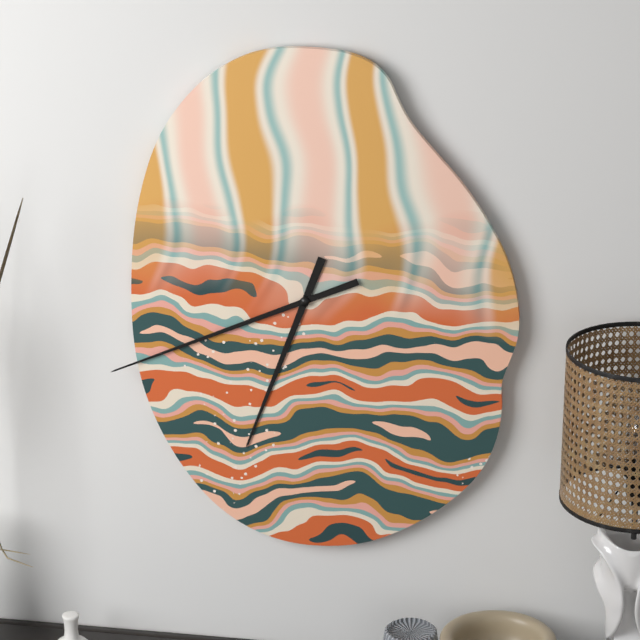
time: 6:41
